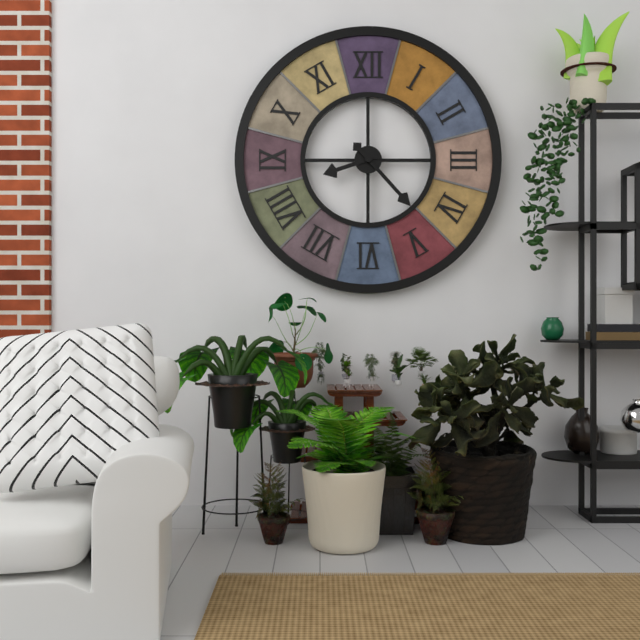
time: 8:23
